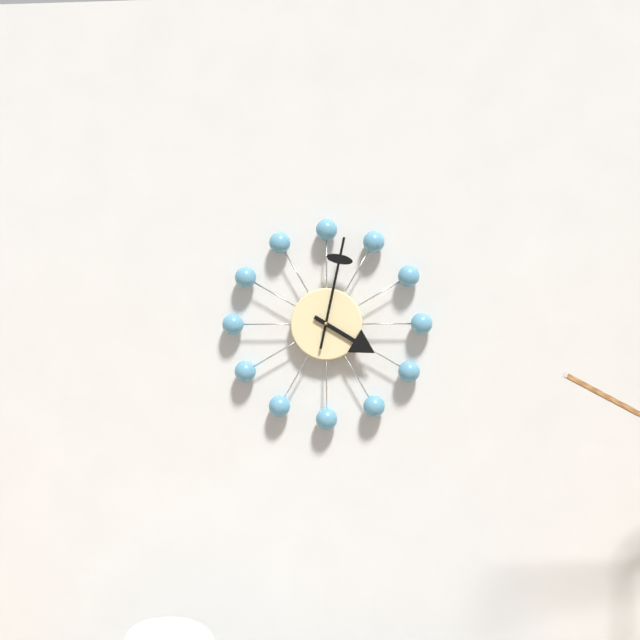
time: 4:02
